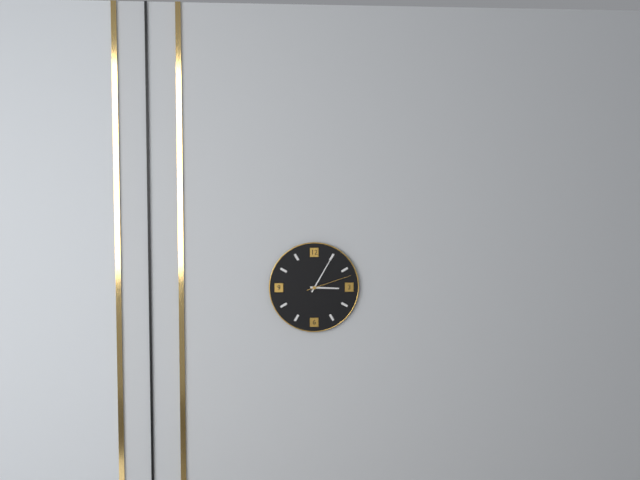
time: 3:05
